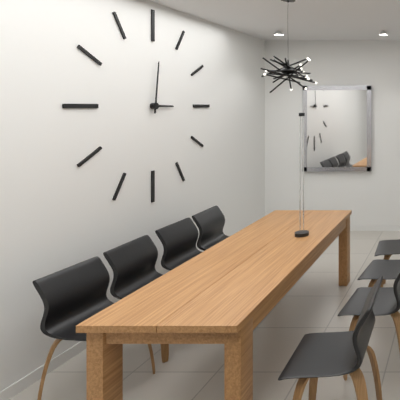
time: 3:01
